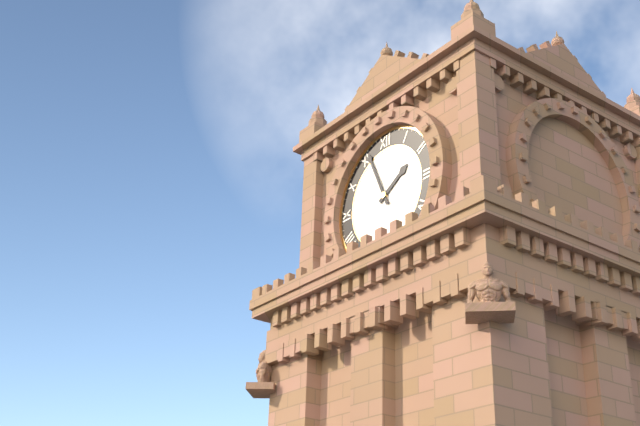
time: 1:56
